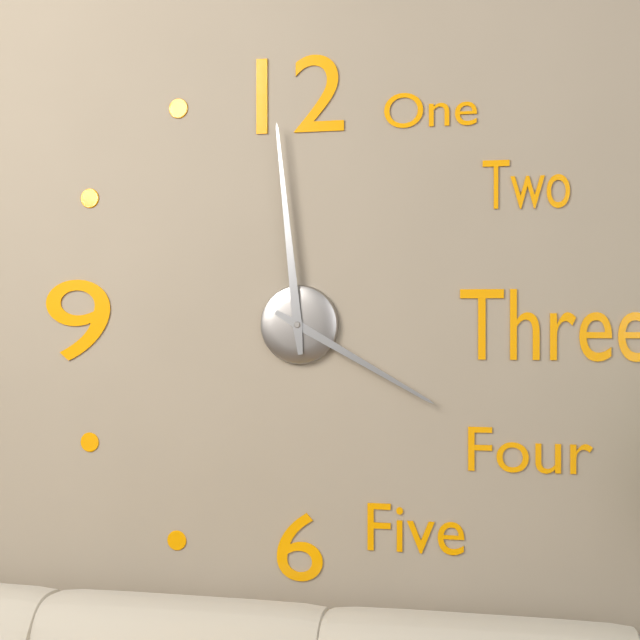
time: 3:59
